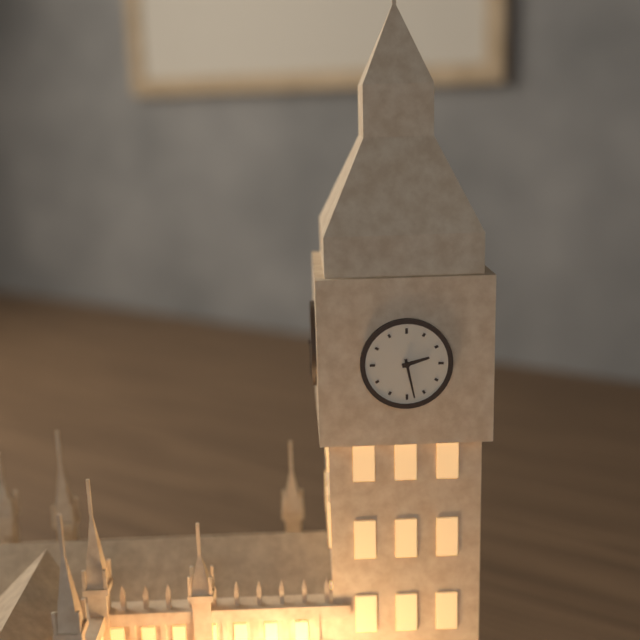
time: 2:28
